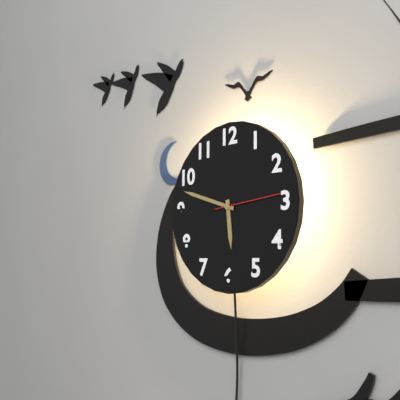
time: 5:48
